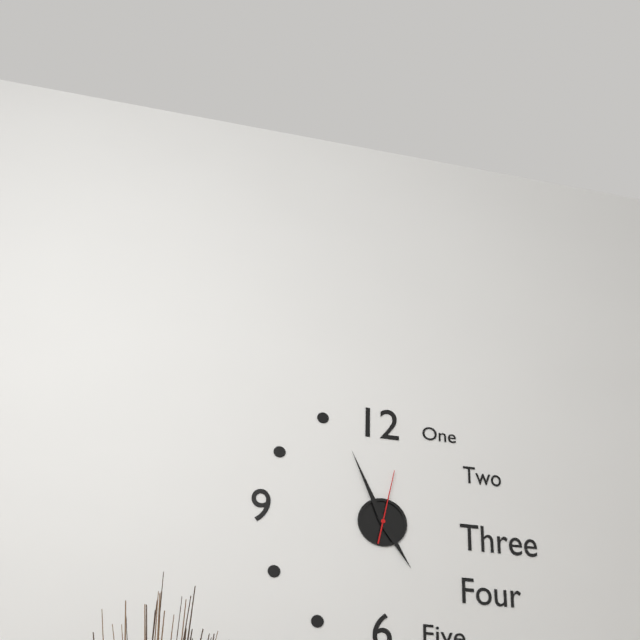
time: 4:56:02
